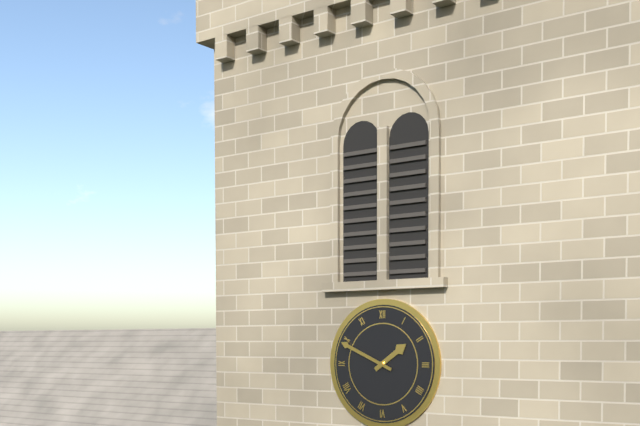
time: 1:49
